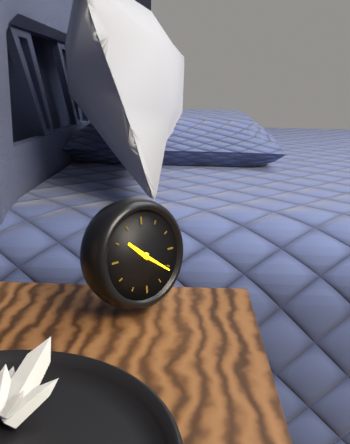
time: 10:21
